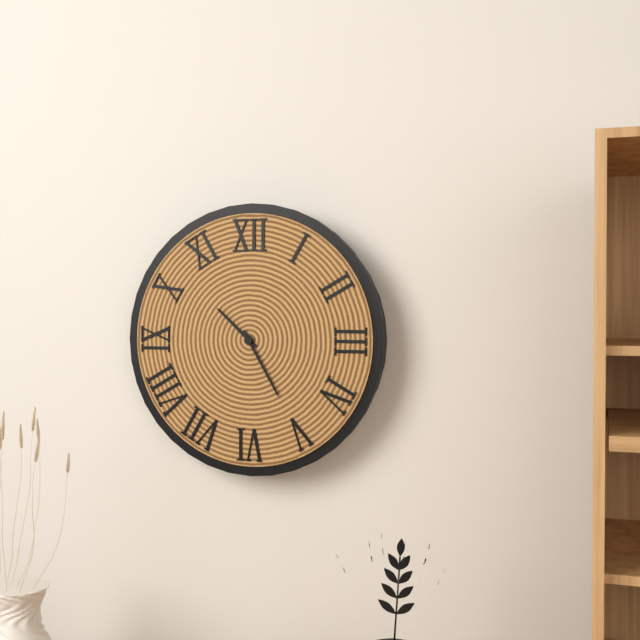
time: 10:25
